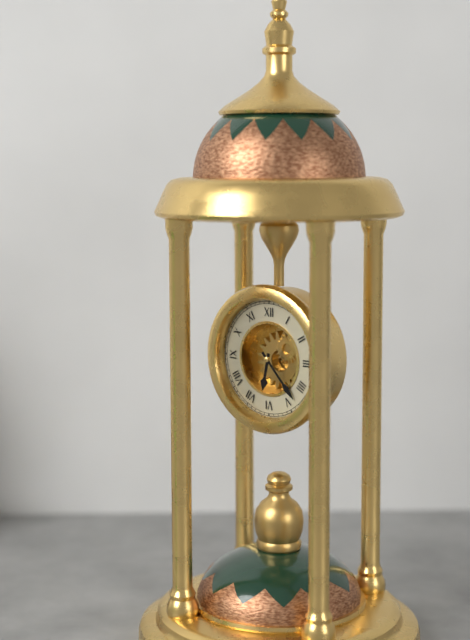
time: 6:23
